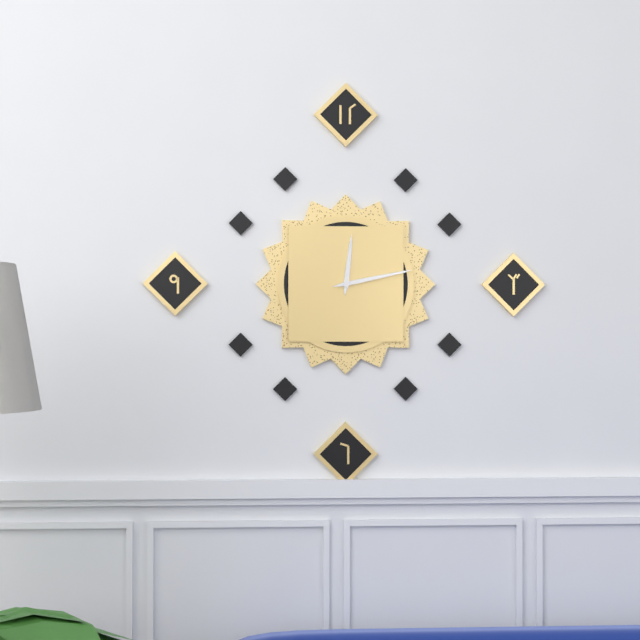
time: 12:13
